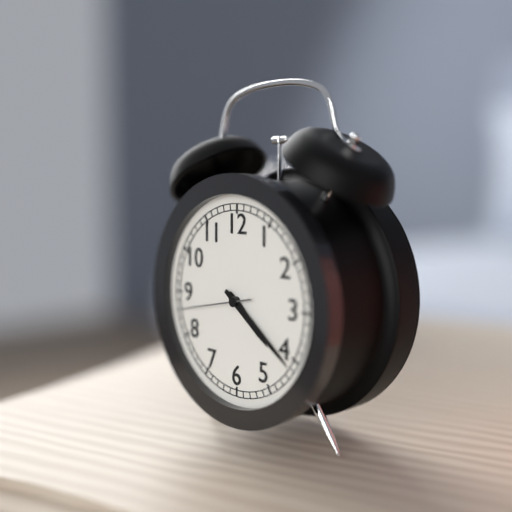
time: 4:21:43
